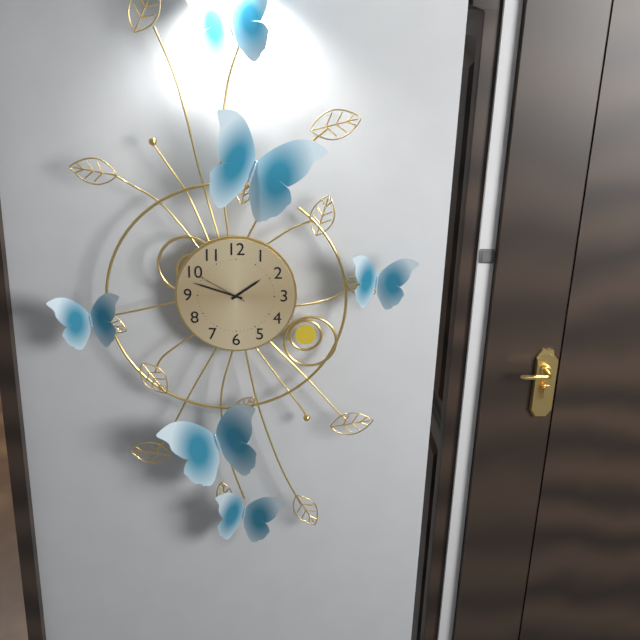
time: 1:48:50
